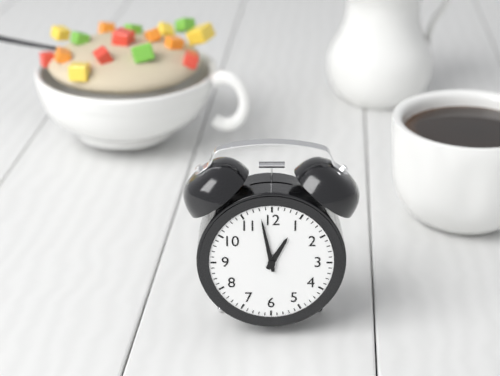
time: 12:58
